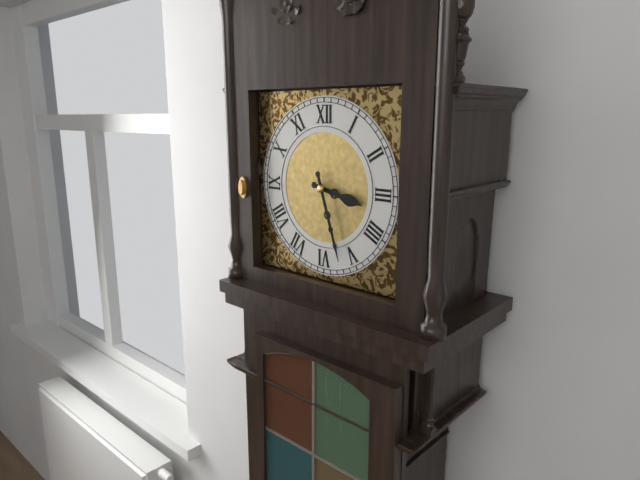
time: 3:27
